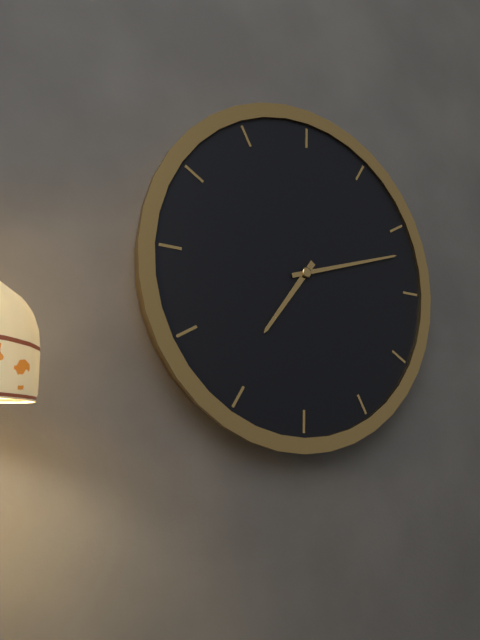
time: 7:12
